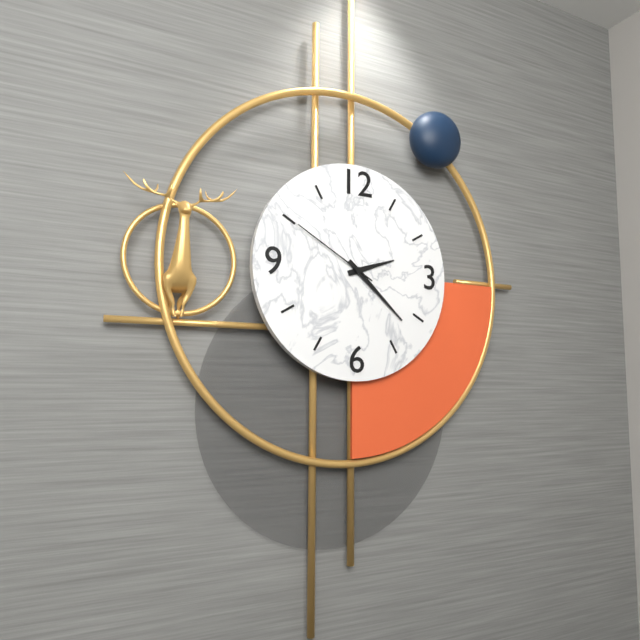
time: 2:22:50
